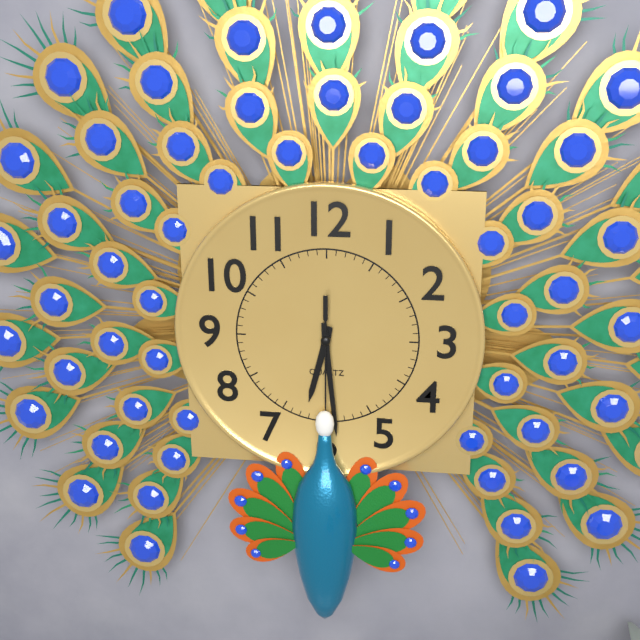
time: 6:29
